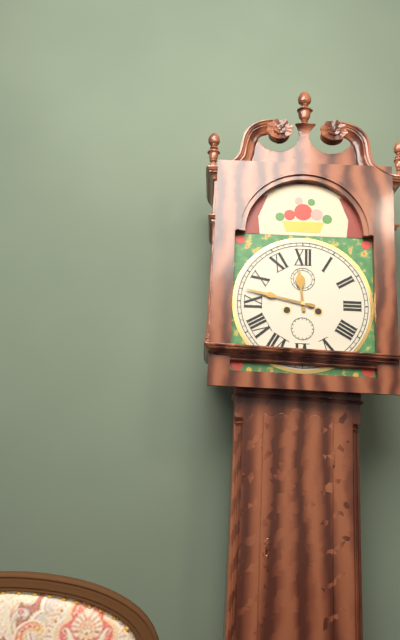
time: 11:47
